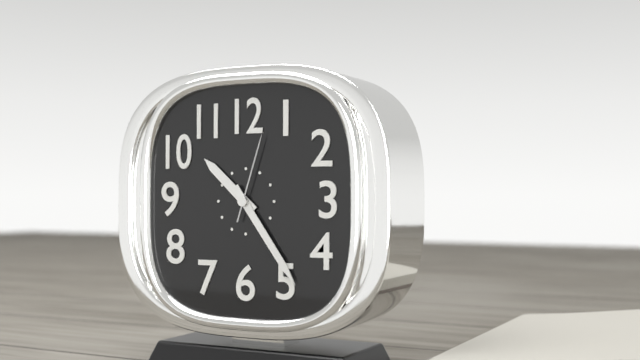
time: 10:24:03
